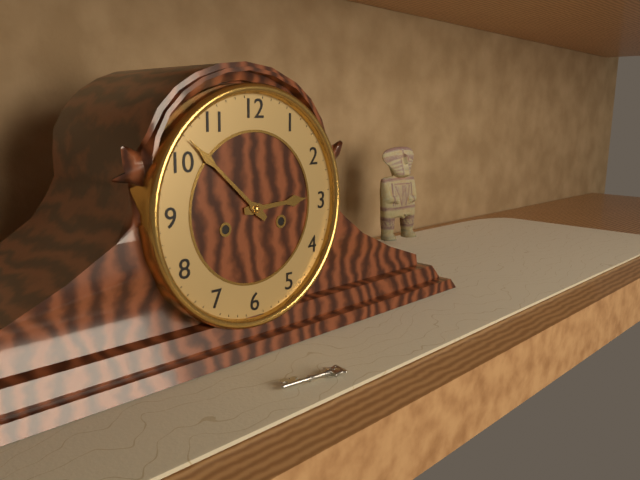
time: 2:52
